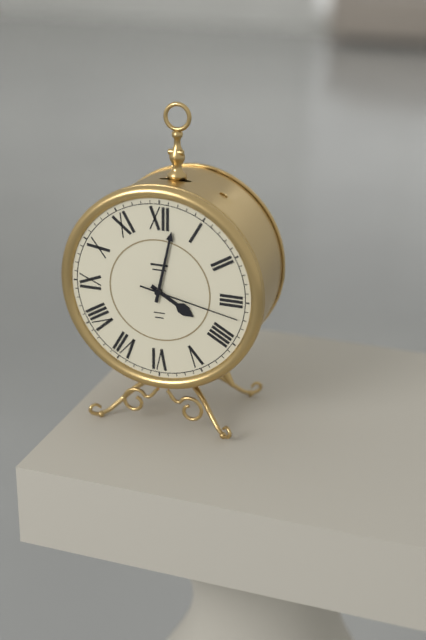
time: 4:02:17
